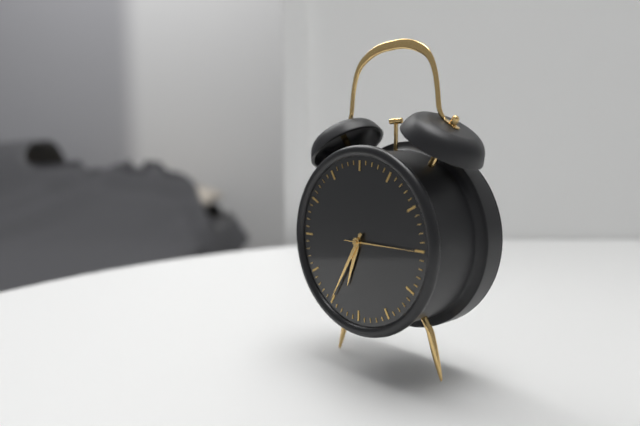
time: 6:35:15
